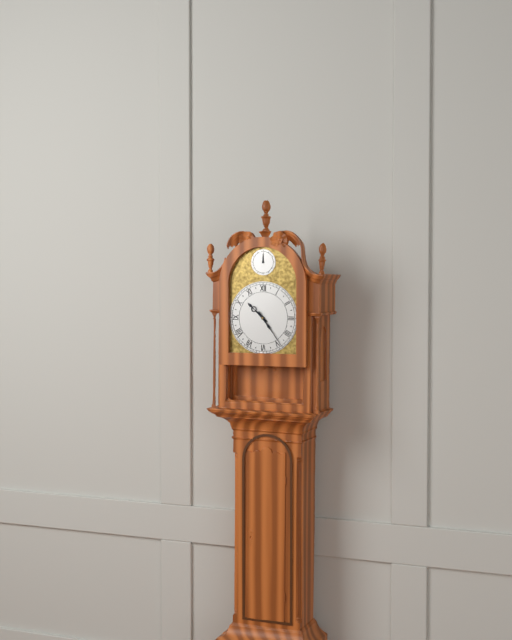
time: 10:24
